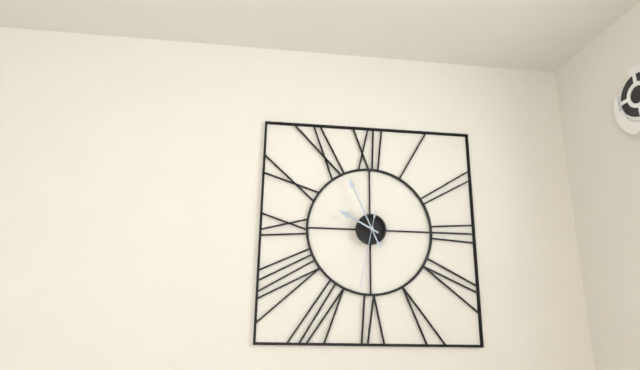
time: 9:56:32
